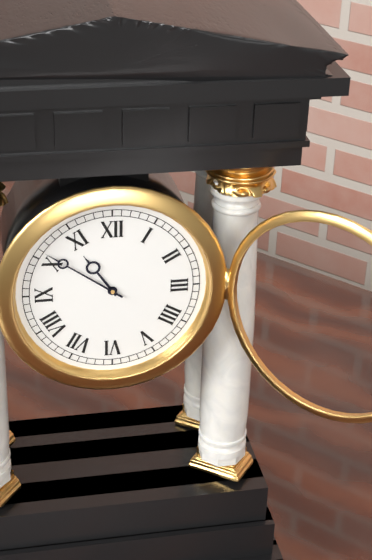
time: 10:51
